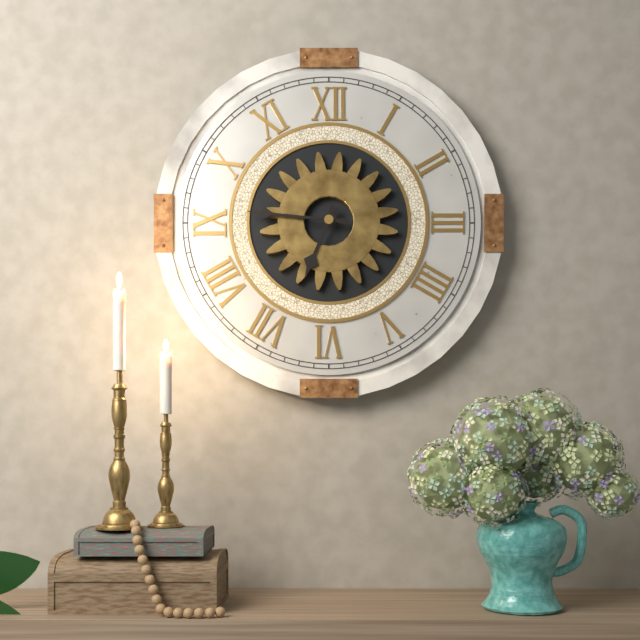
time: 6:46
